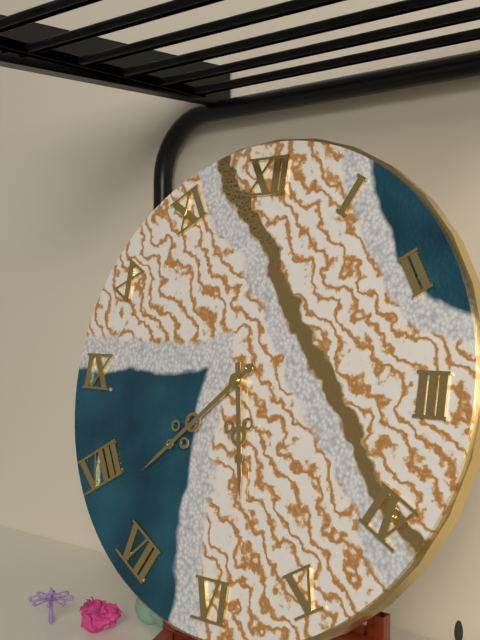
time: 5:38
